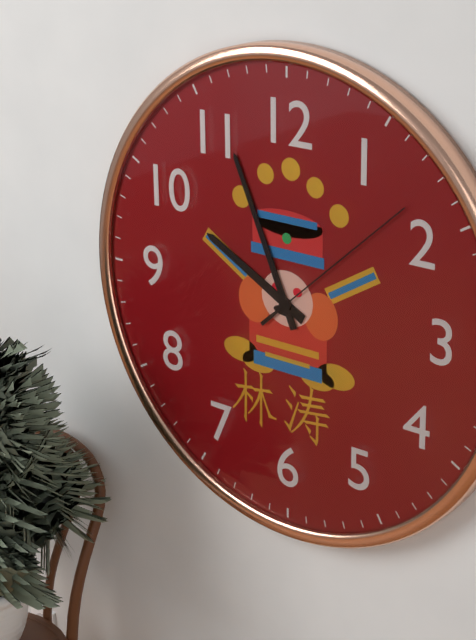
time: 9:56:08
